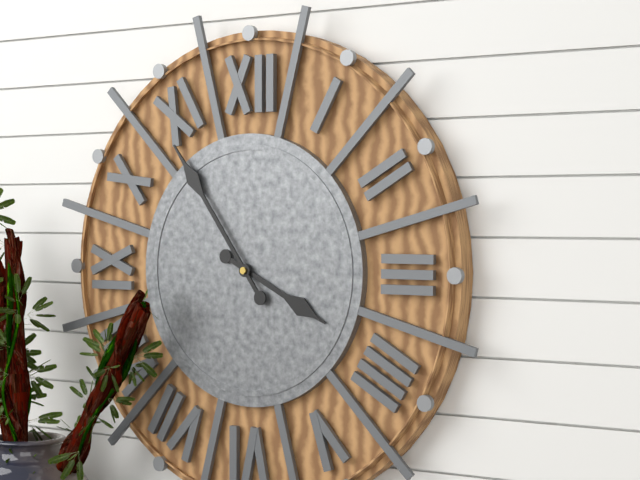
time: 3:54
